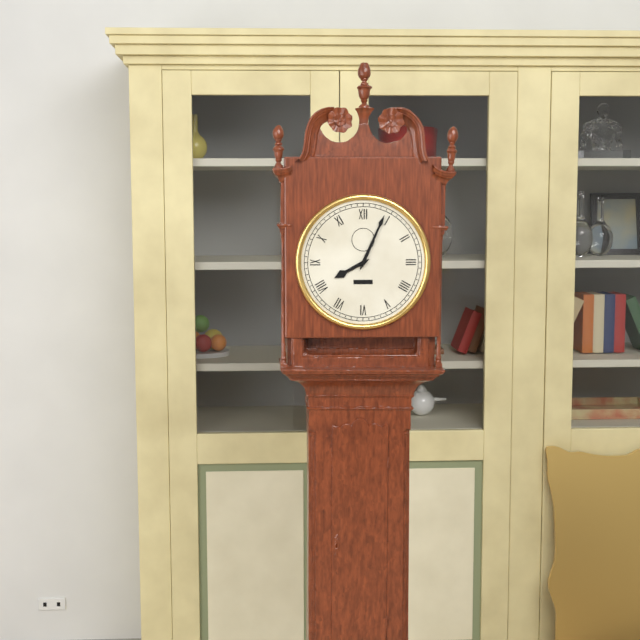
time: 8:04
